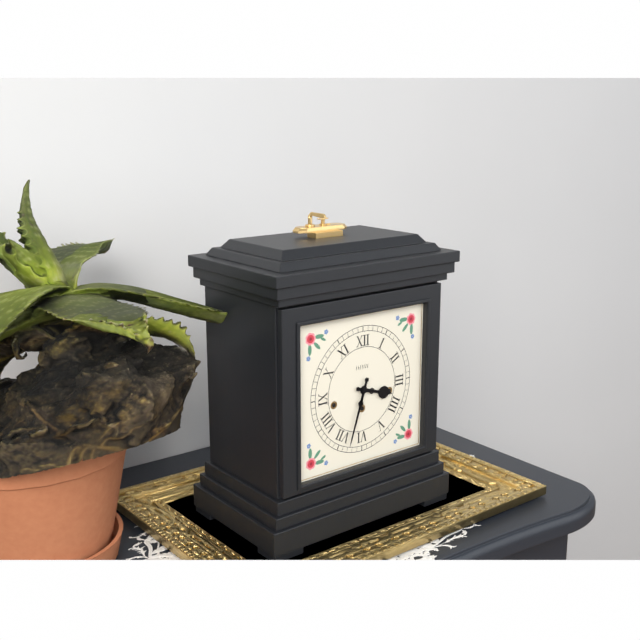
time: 3:33
